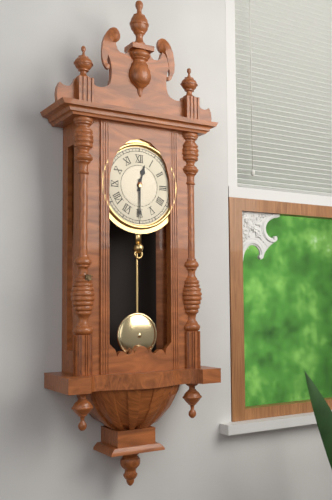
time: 12:30
